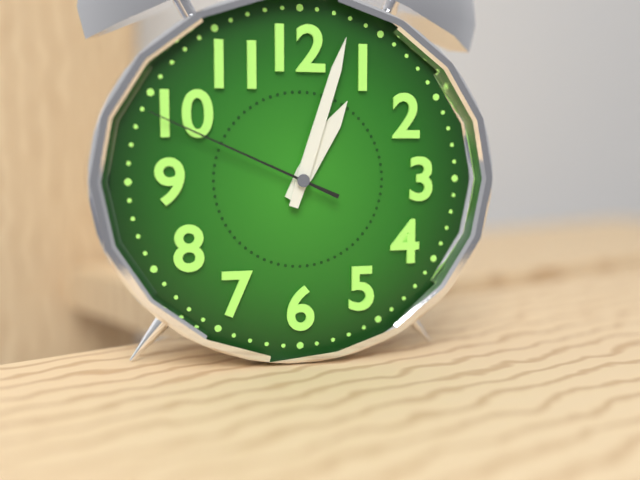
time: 1:03:49
